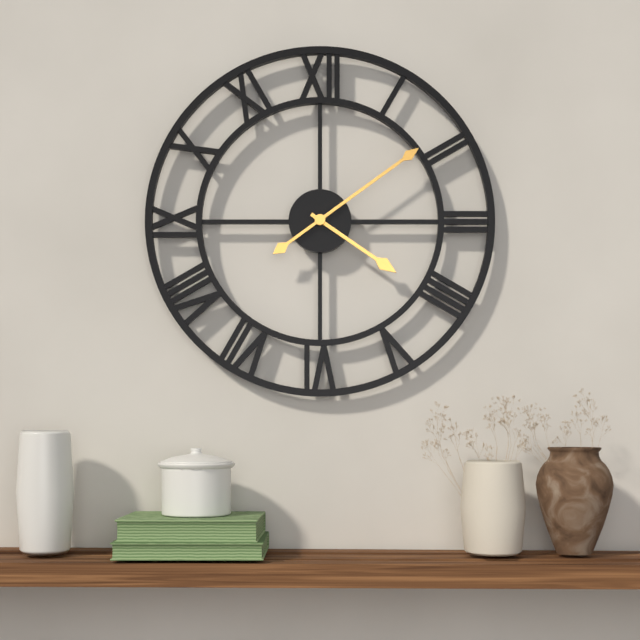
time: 4:09
